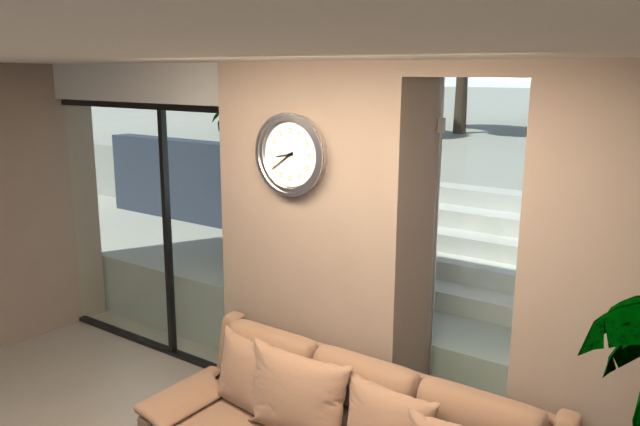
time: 8:39
